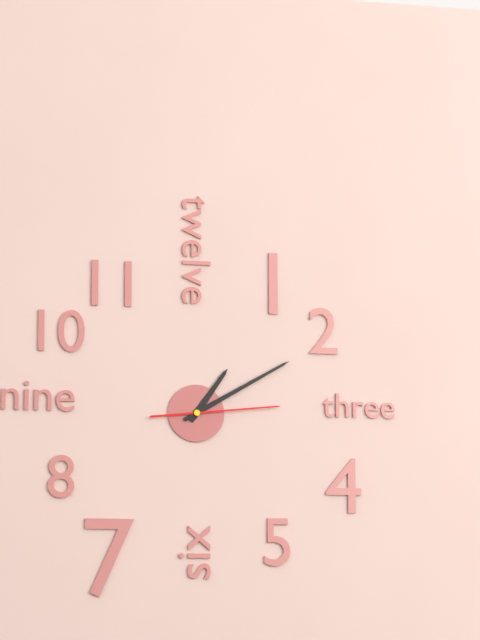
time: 1:10:14
